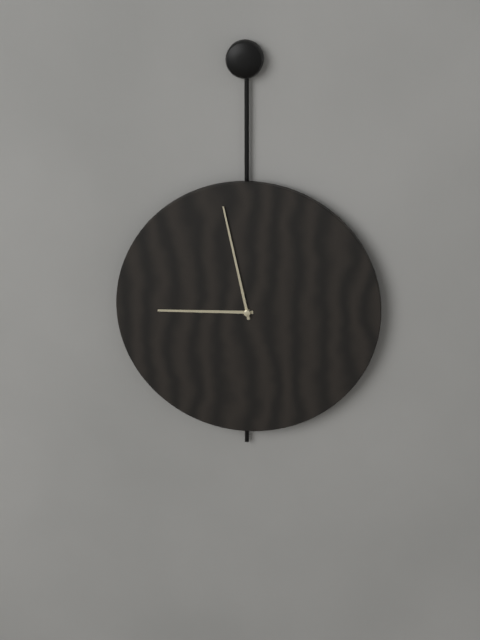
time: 8:58
